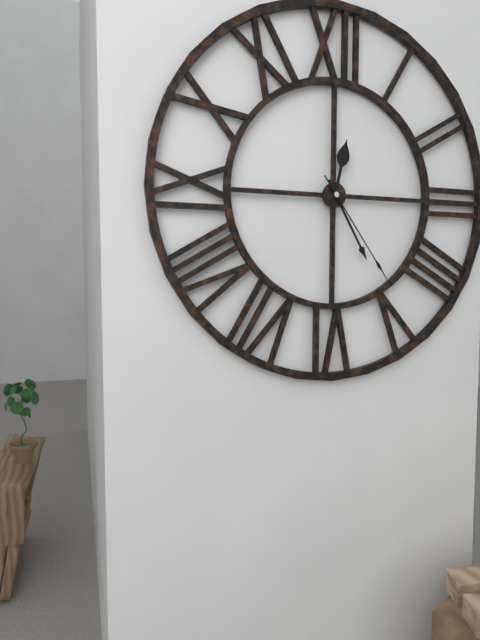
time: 12:25:24
